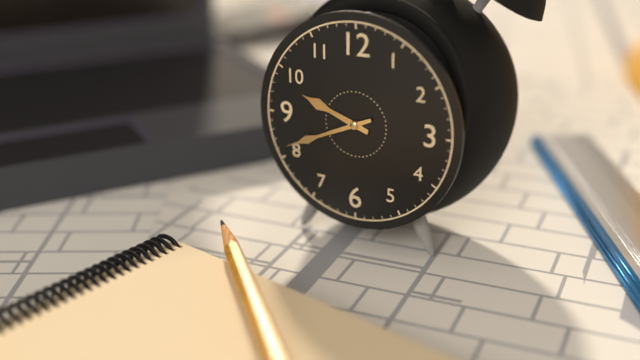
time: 9:41
